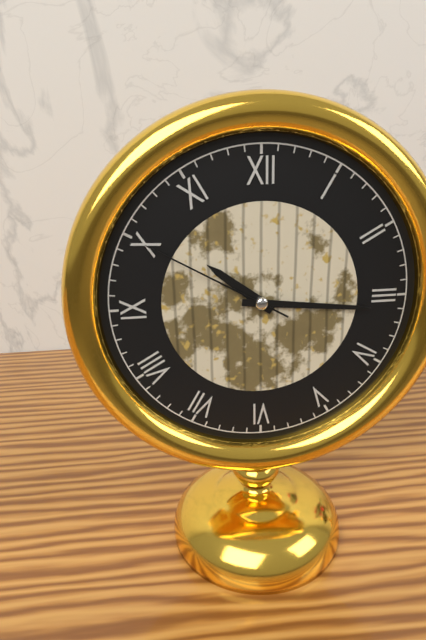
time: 10:16:50
